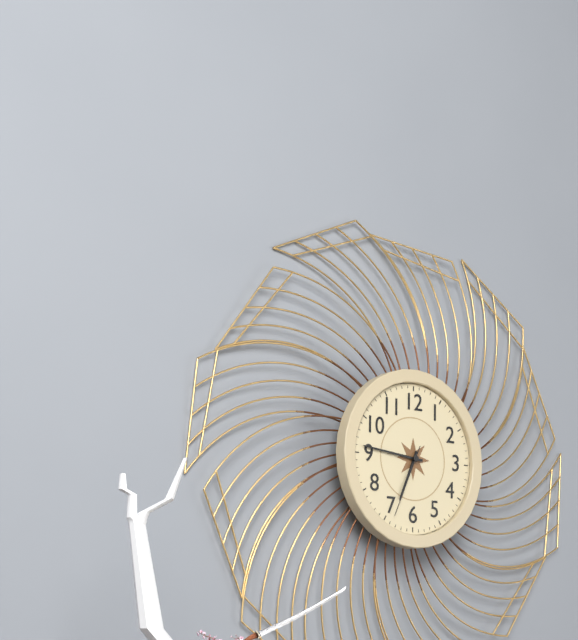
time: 6:46:34
